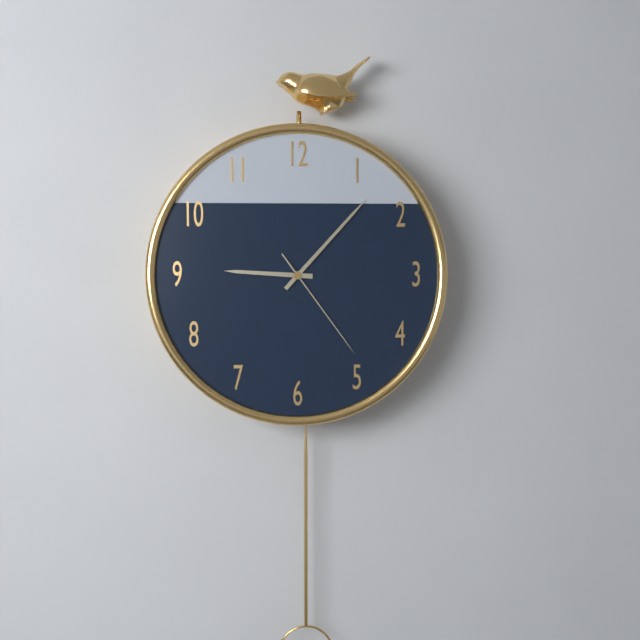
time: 9:07:24
